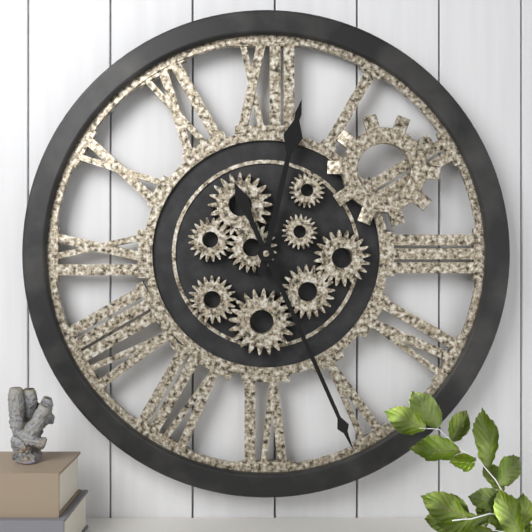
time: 12:26
